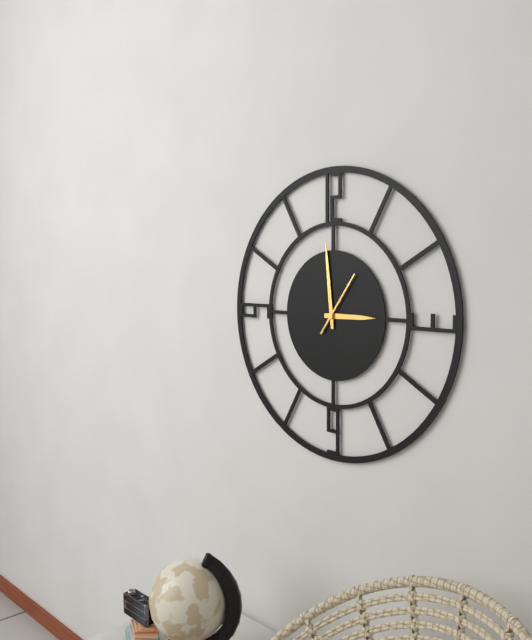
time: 2:59:06
